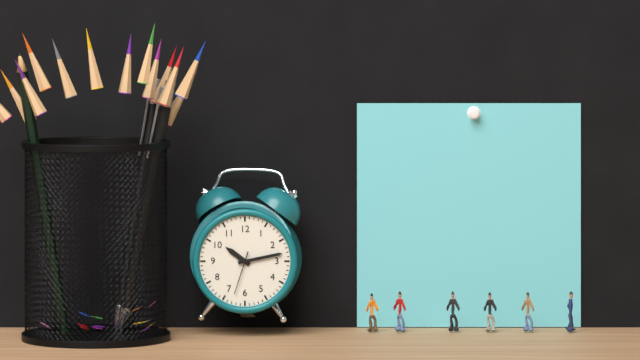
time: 10:13
